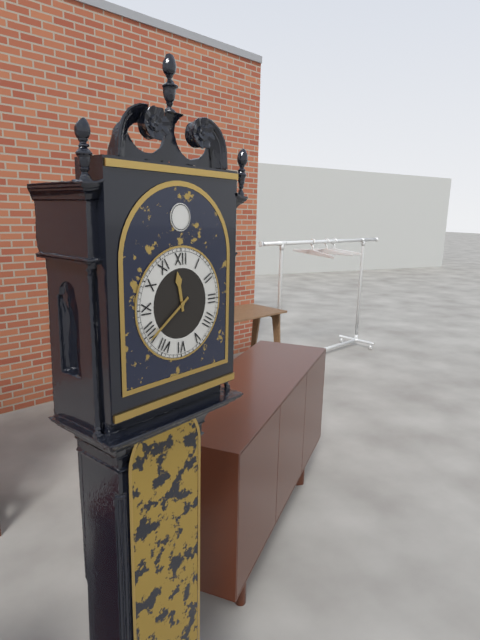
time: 11:39
